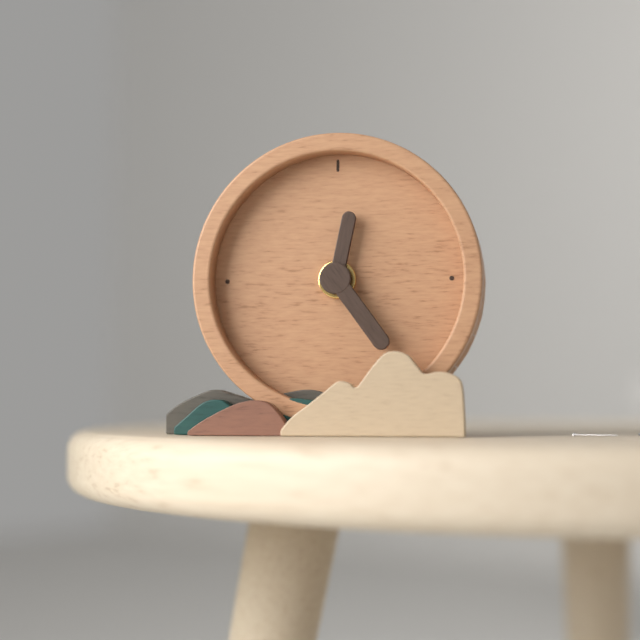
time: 12:24
